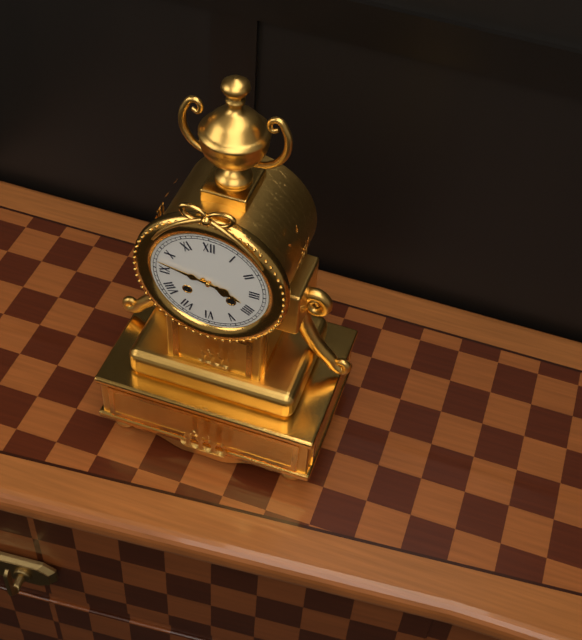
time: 3:47
